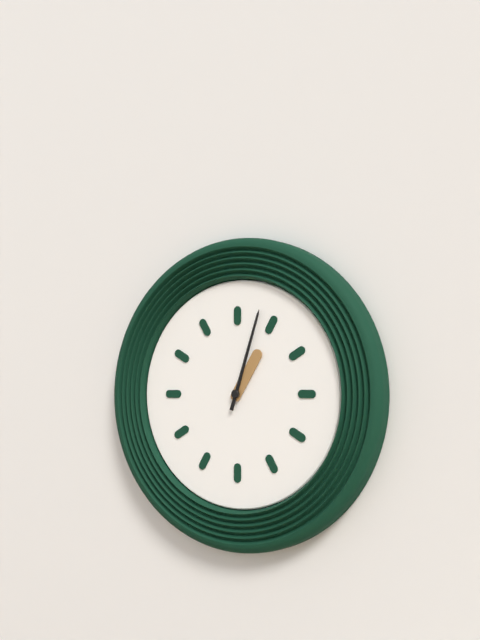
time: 1:03
